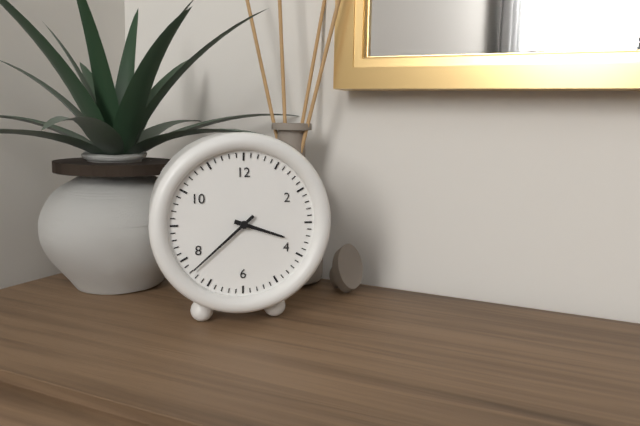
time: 3:38
